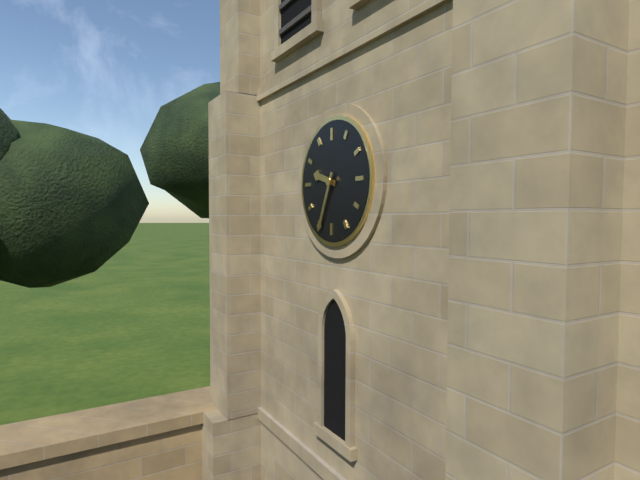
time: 9:34
